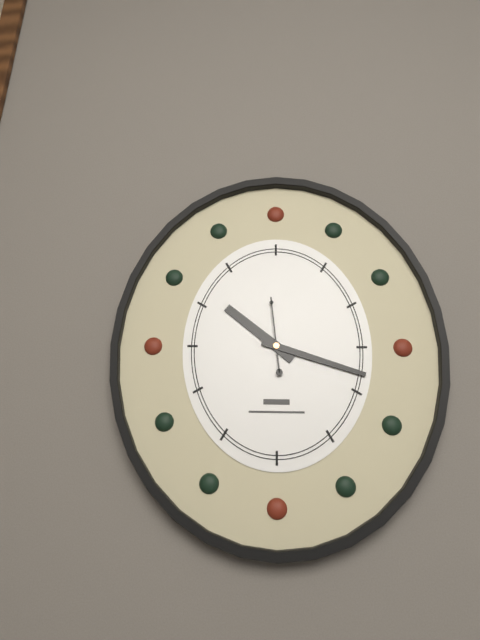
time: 10:18:59
